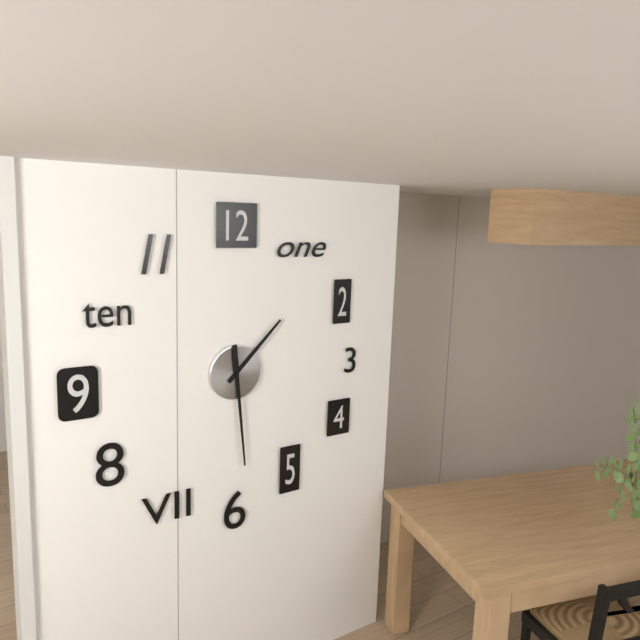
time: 1:29
